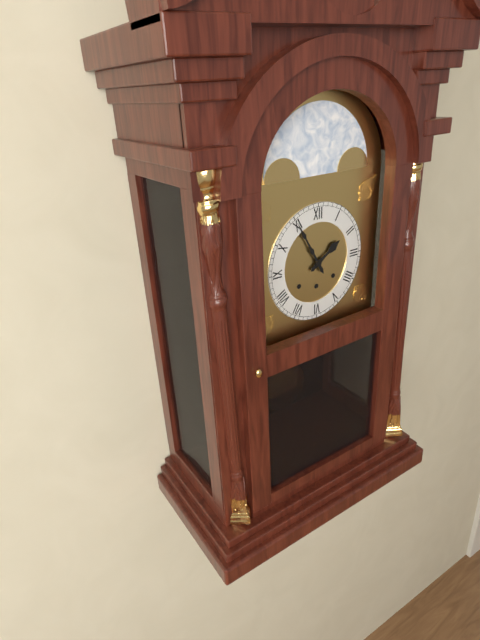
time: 1:55
